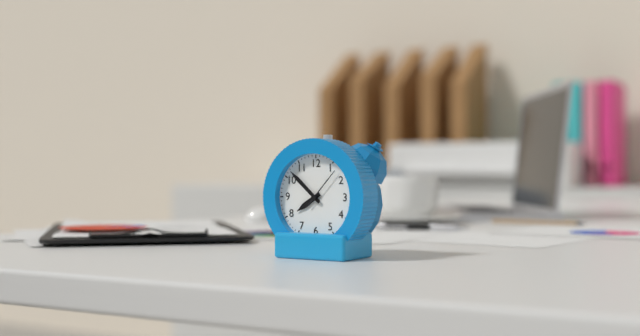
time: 7:52
